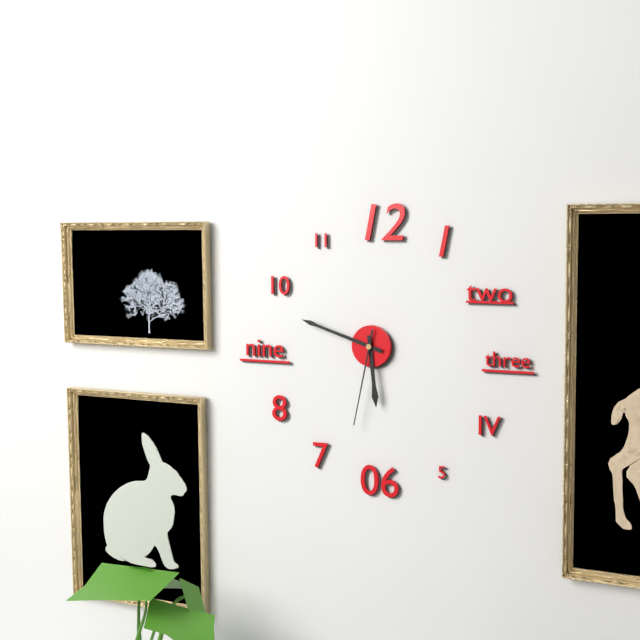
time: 5:48:32
